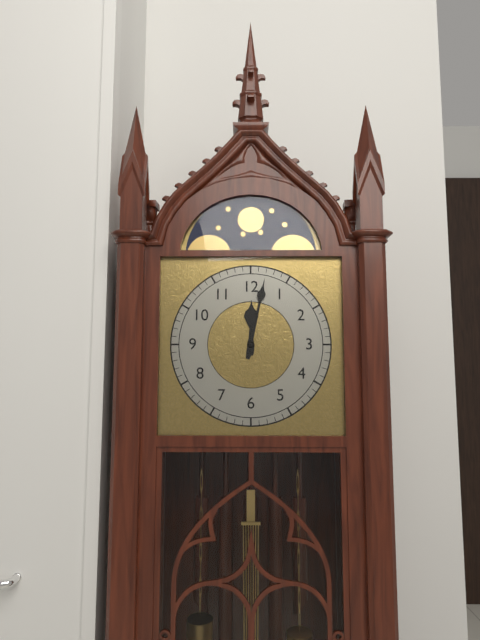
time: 12:02
